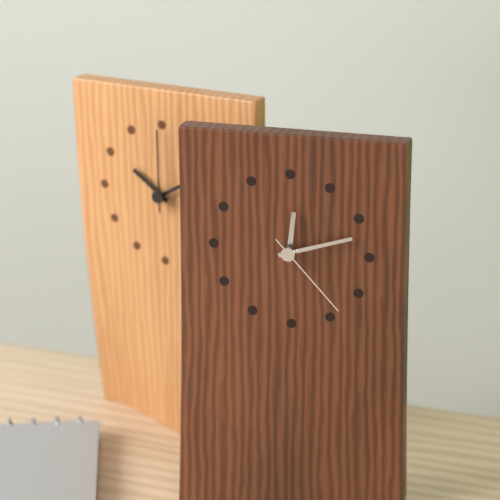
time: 12:12:23
